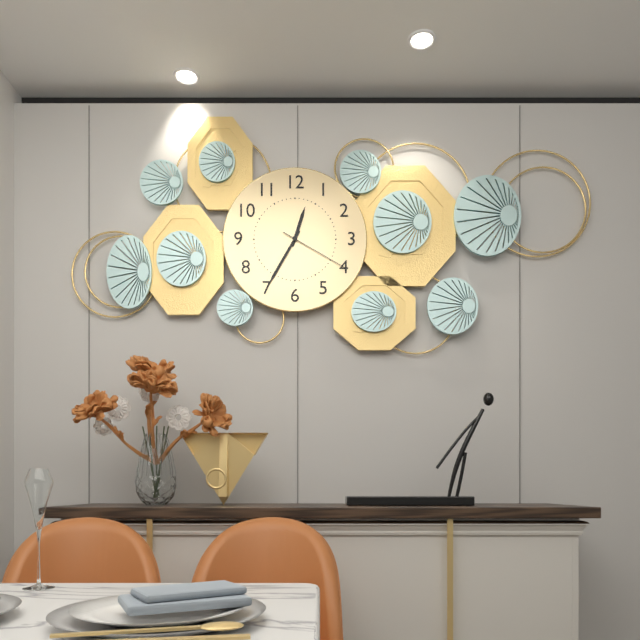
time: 12:35:20
